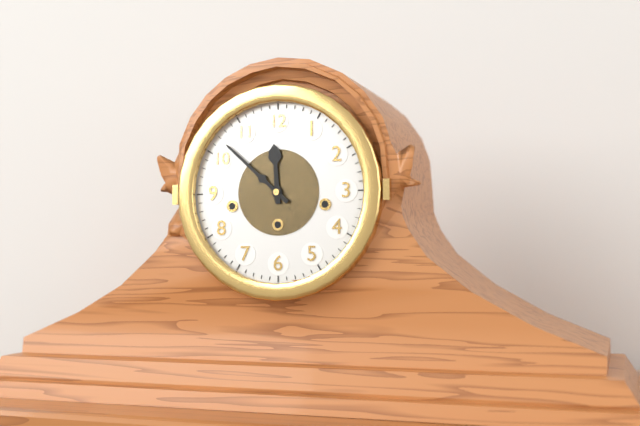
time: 11:52
